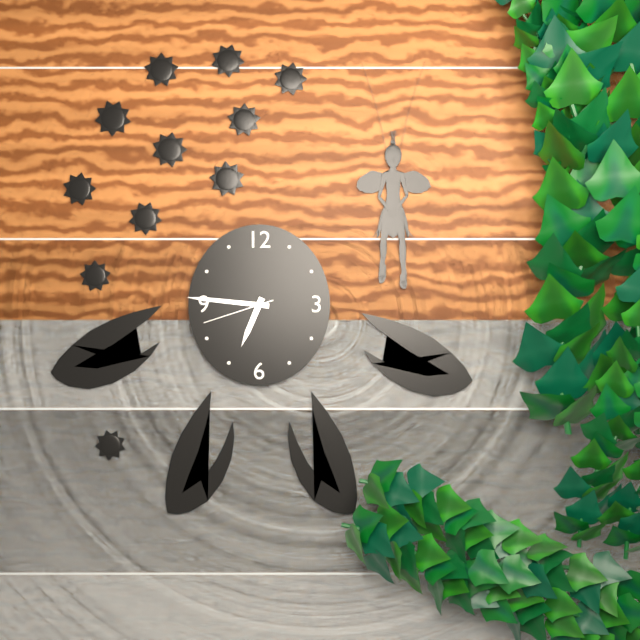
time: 6:46:42
